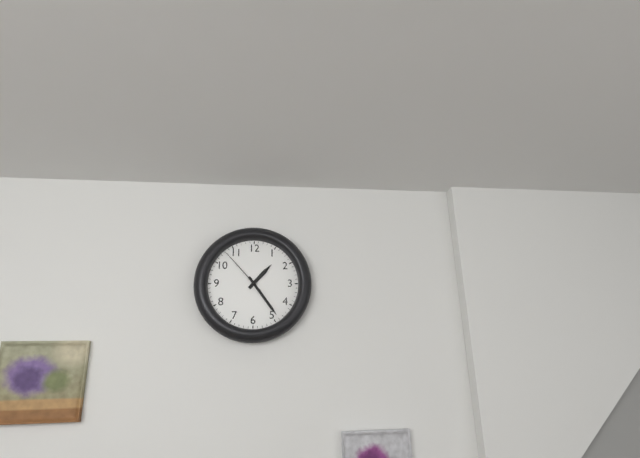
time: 1:24:53
